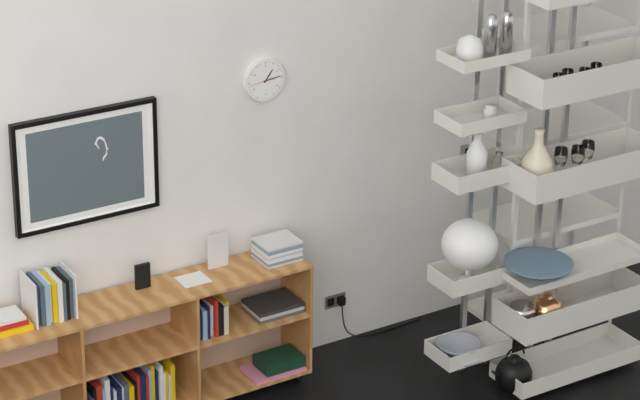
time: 1:14
